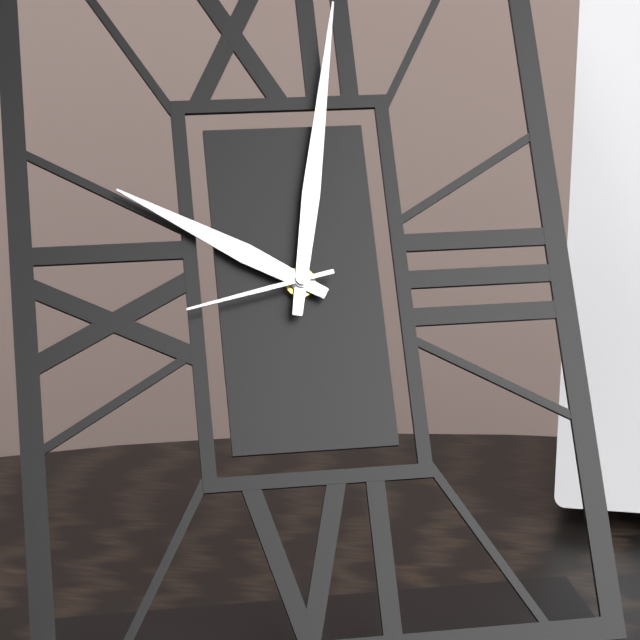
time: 10:02:43
